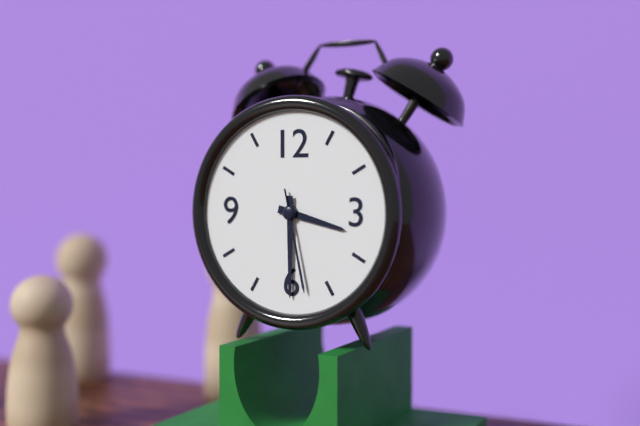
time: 3:30:28
